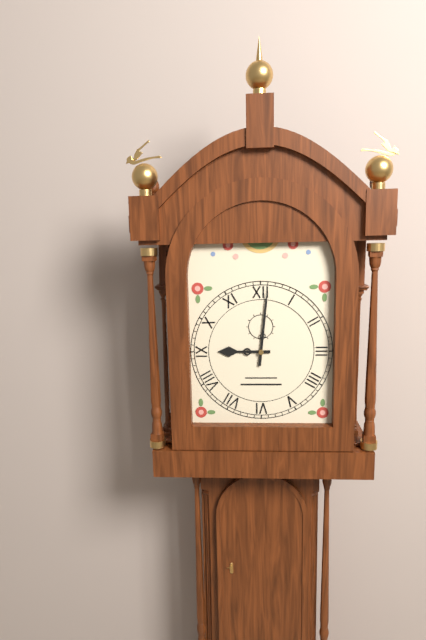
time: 9:01
